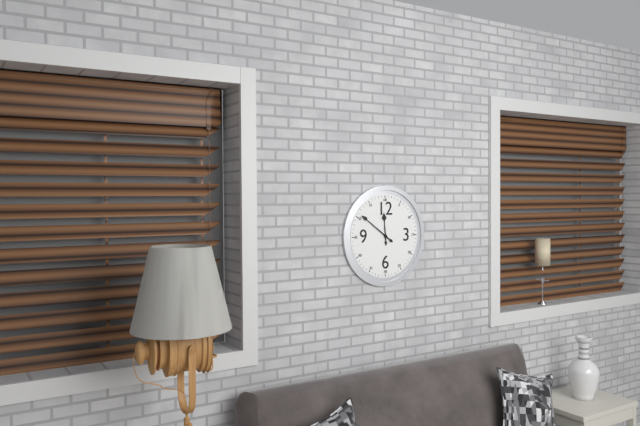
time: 11:51
